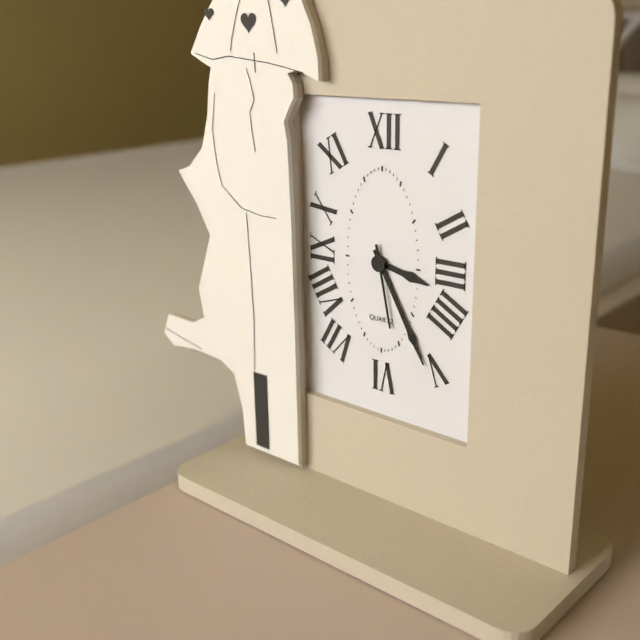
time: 3:25:28
